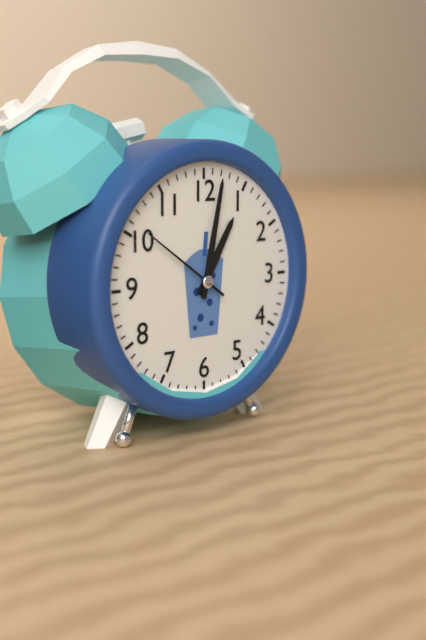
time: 1:02:51
